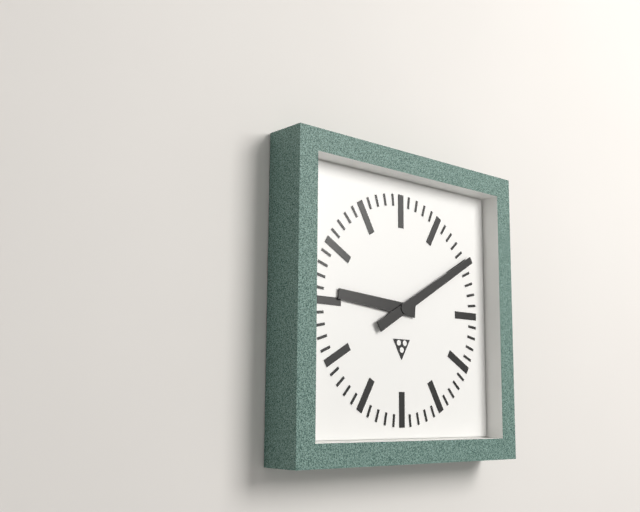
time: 9:10
